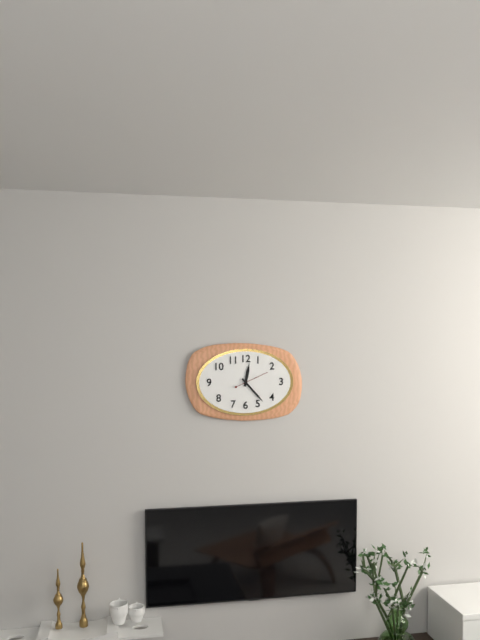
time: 12:23
